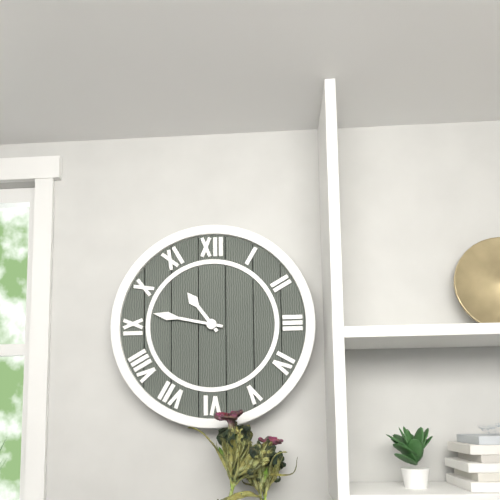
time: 10:47
